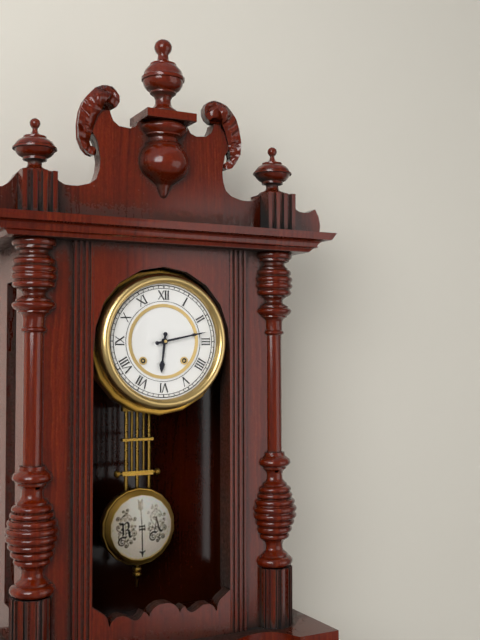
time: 6:13
